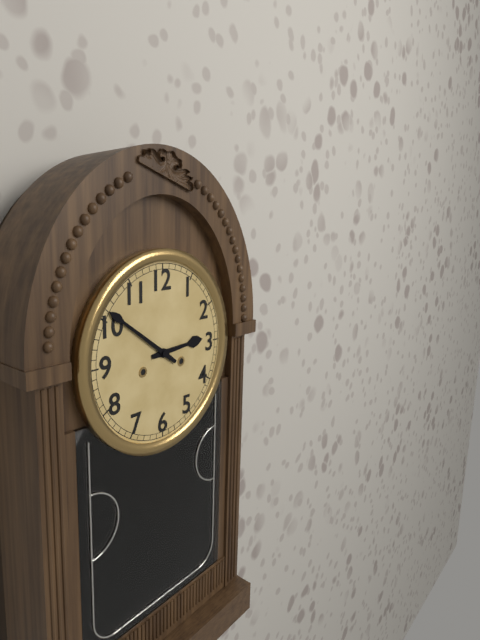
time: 2:51
